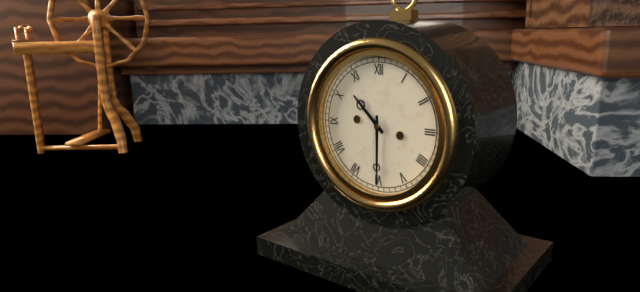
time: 10:30
